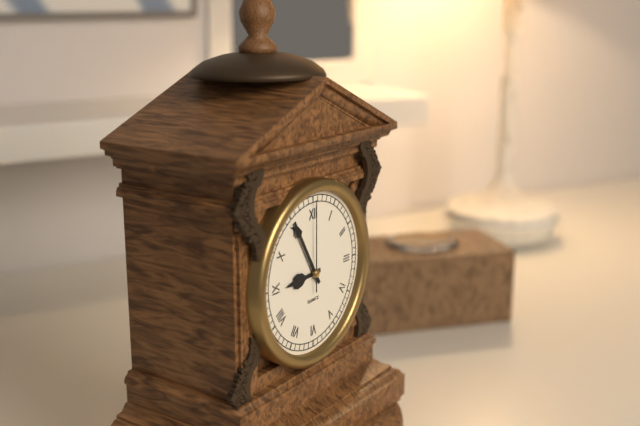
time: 8:55:00
